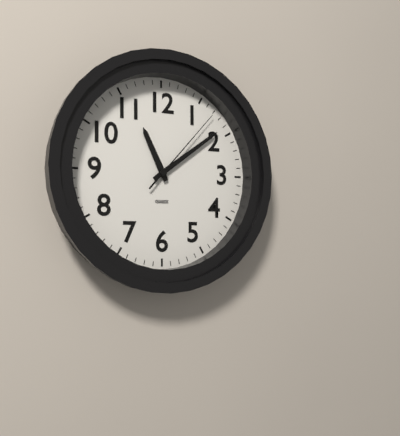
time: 11:09:07
